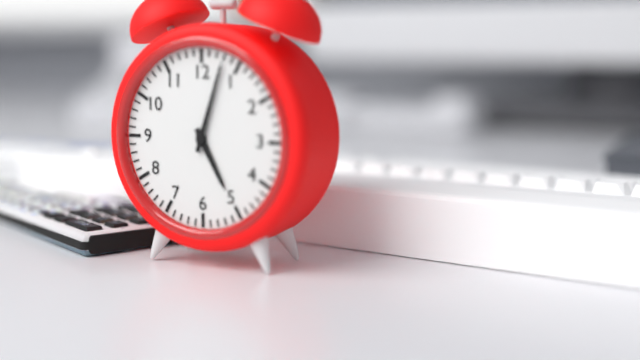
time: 5:03
